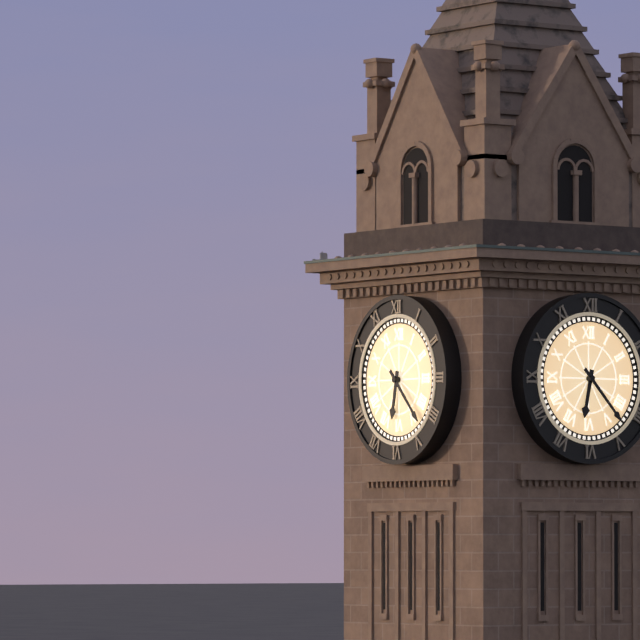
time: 6:23
